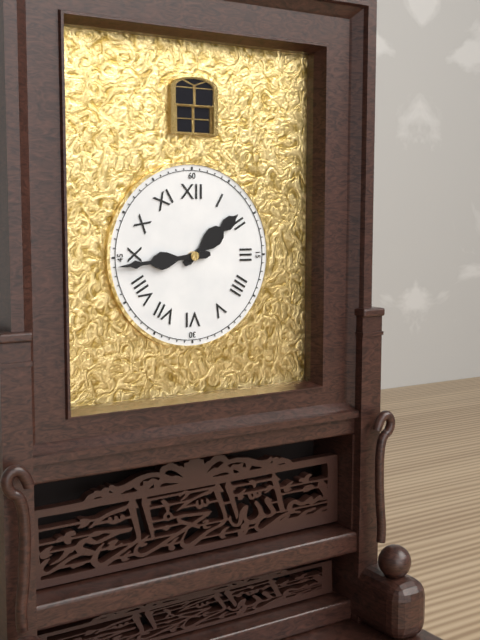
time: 1:44
